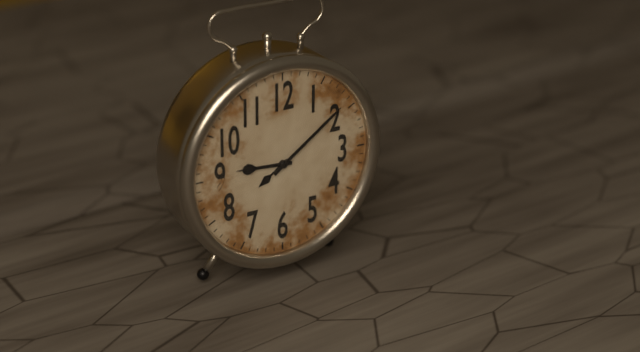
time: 9:09
